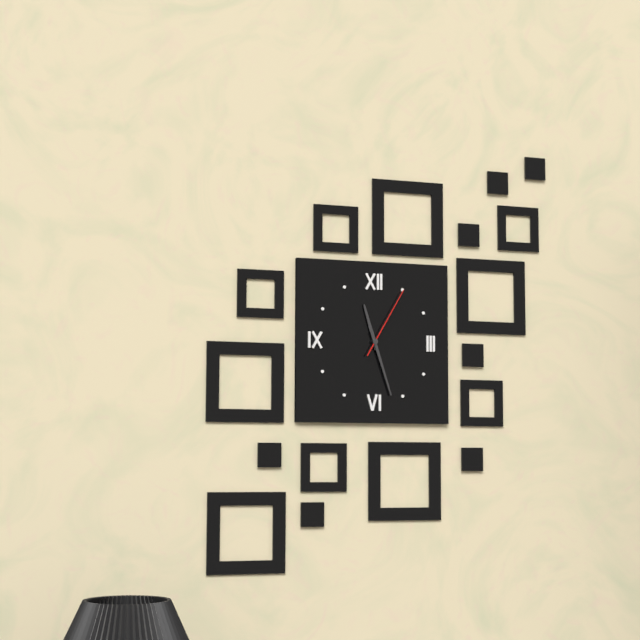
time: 11:27:05
